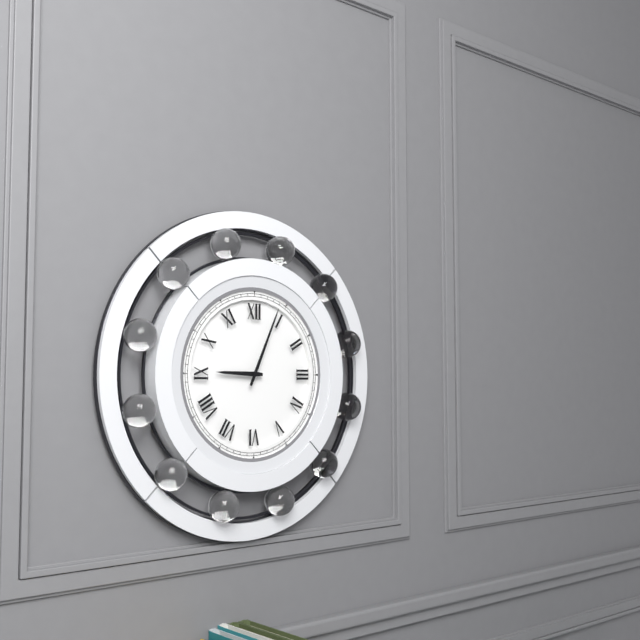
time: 9:04
